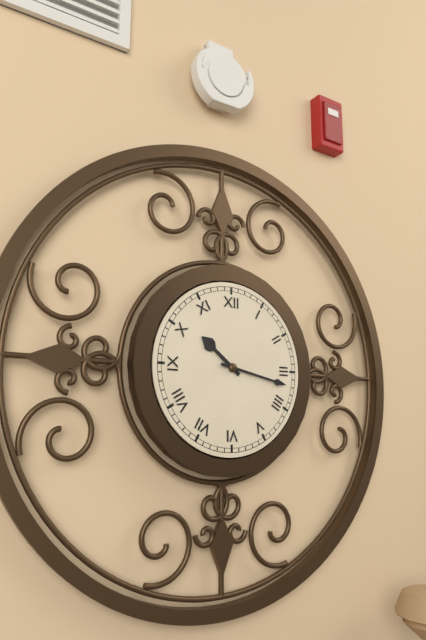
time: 10:17
